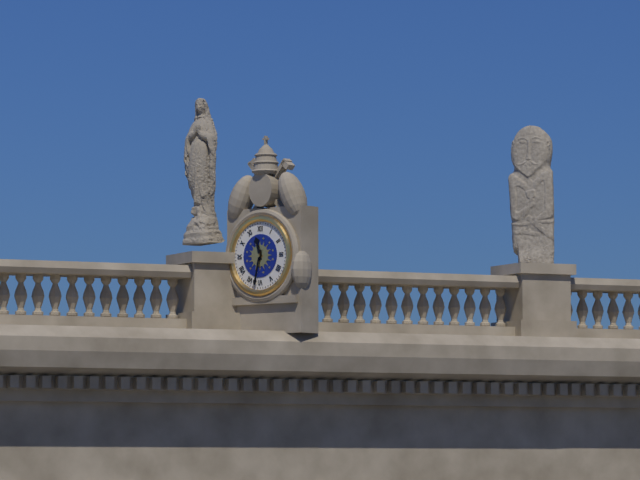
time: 11:32
